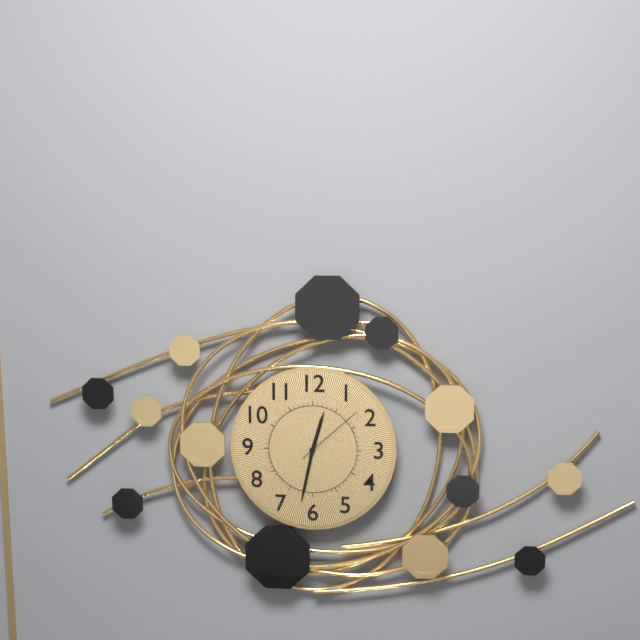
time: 12:32:08
